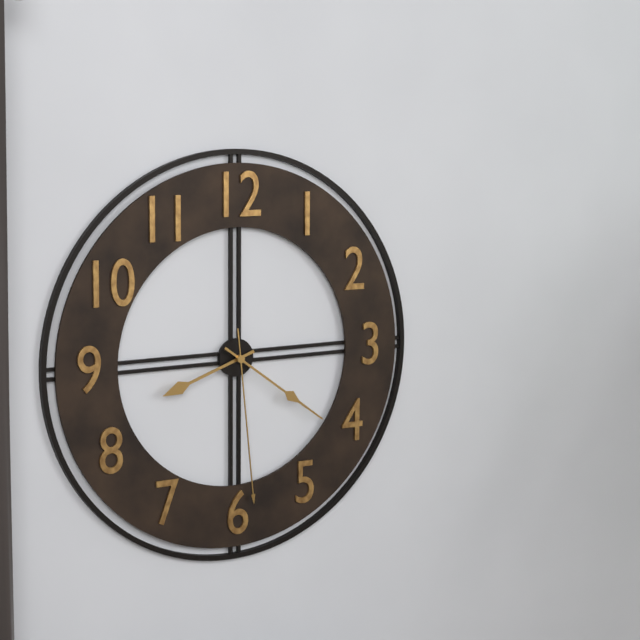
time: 8:21:29
